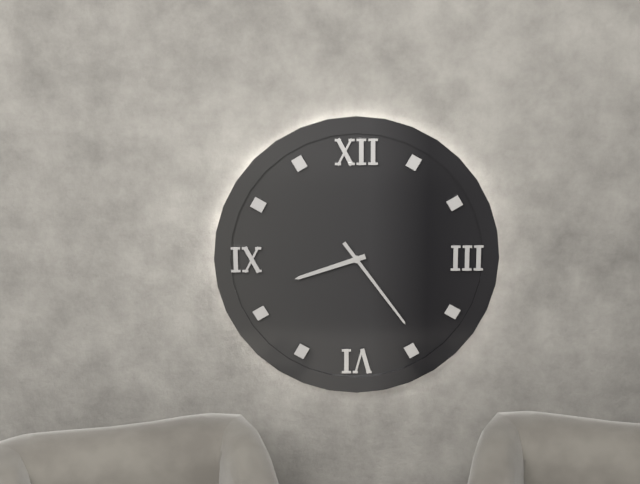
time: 8:24
